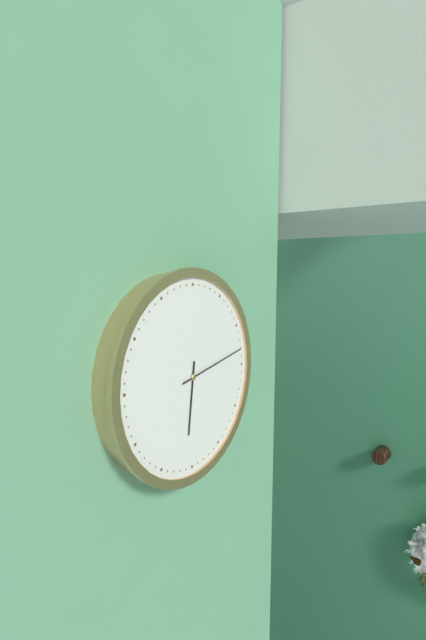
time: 6:13
